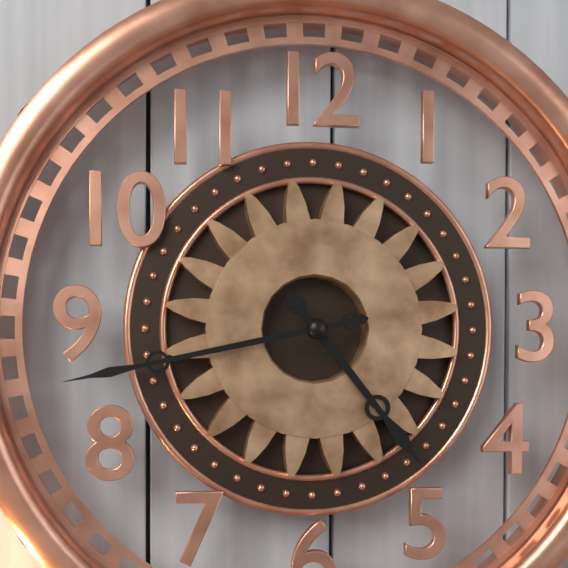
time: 4:43
